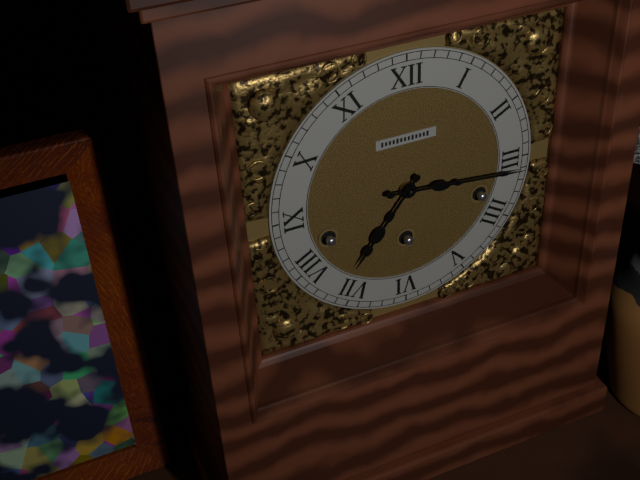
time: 7:16
